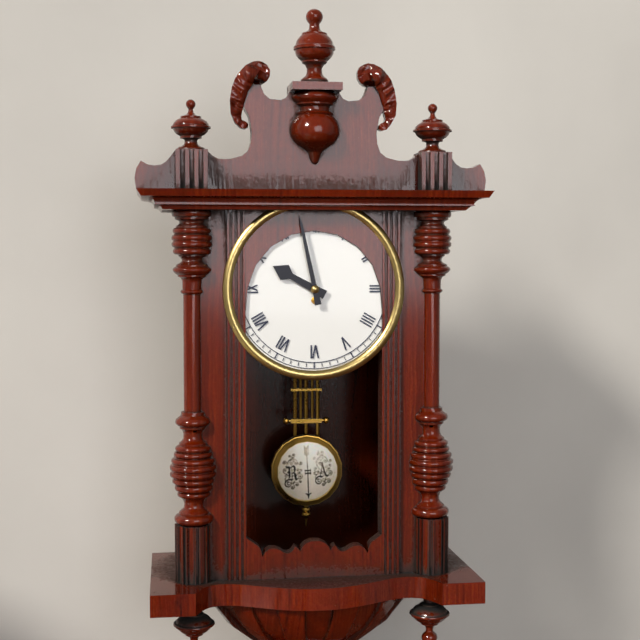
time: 9:58
